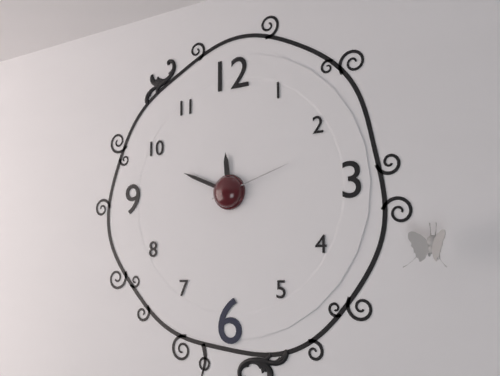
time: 11:49:12
